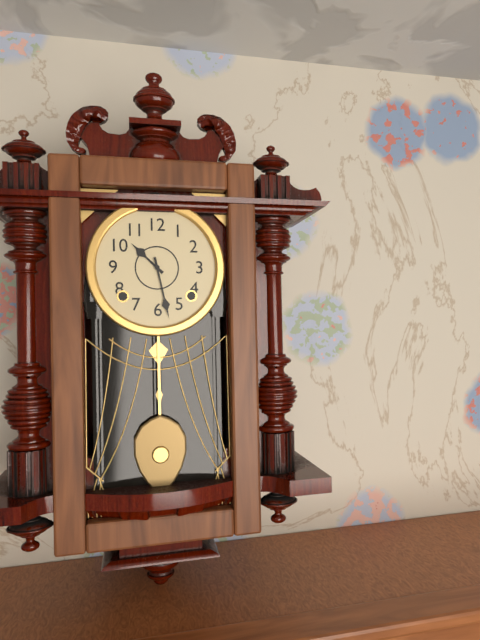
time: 10:28
